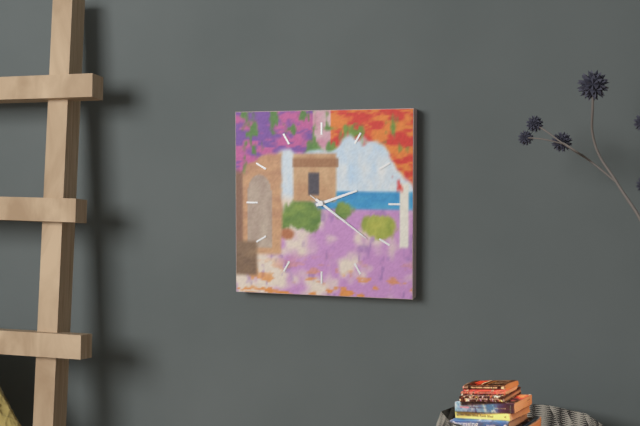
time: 2:21:21
